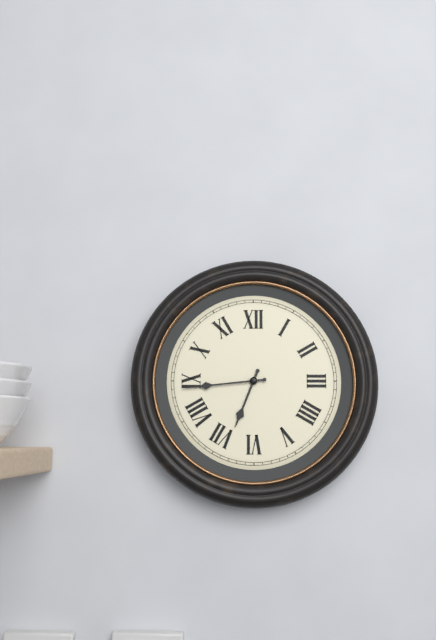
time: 6:44
